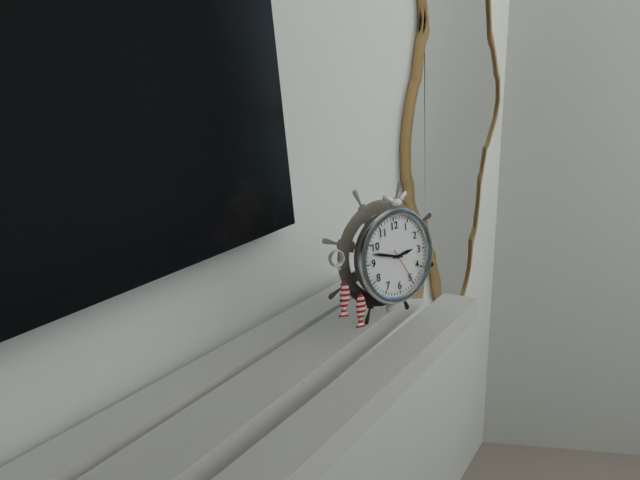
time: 2:48
